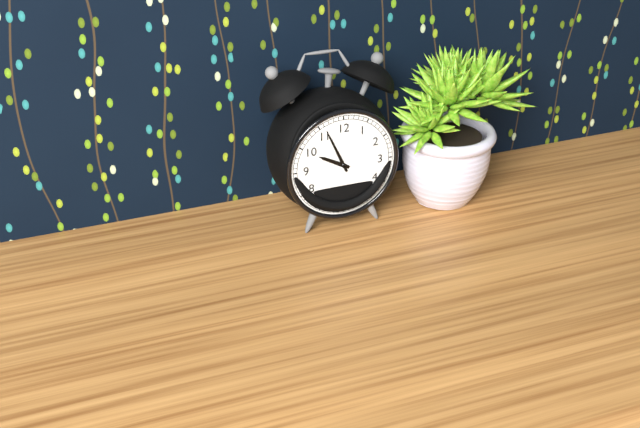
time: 9:56
